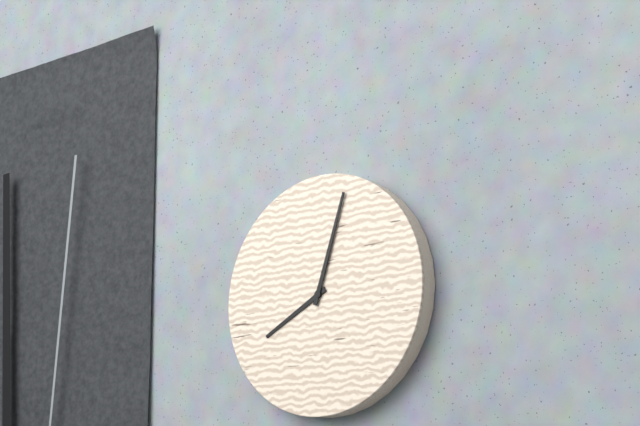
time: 8:03
